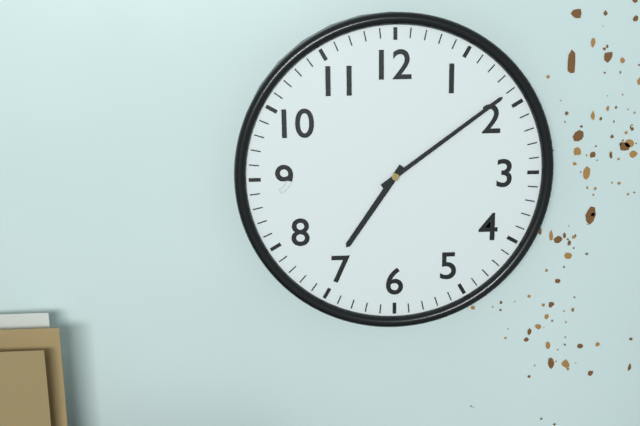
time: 7:09
